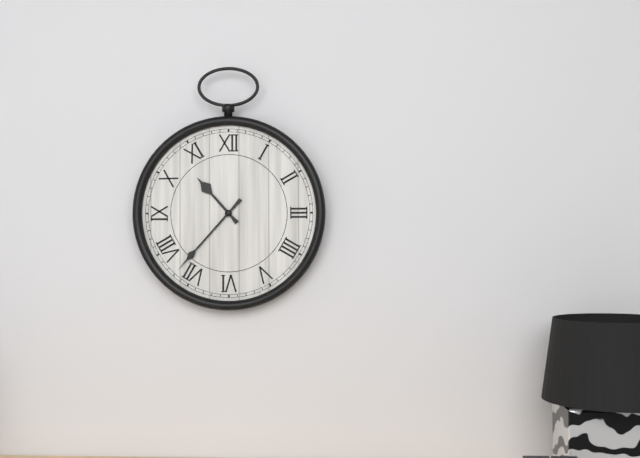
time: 10:37
